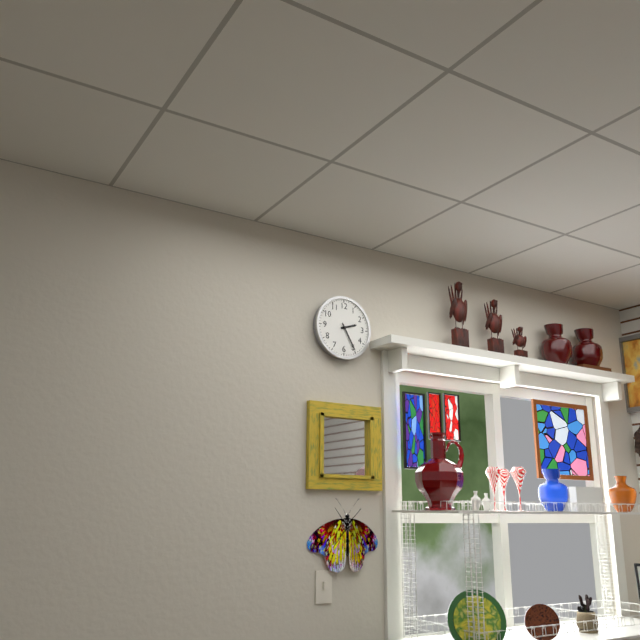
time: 2:25
